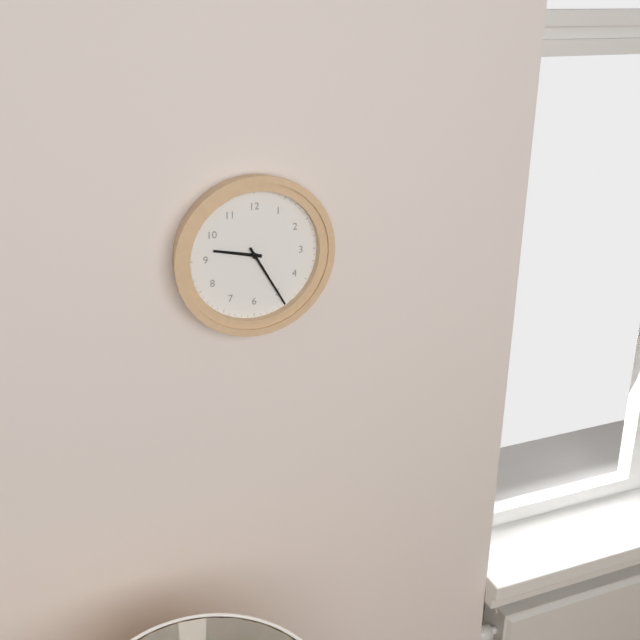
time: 9:25
